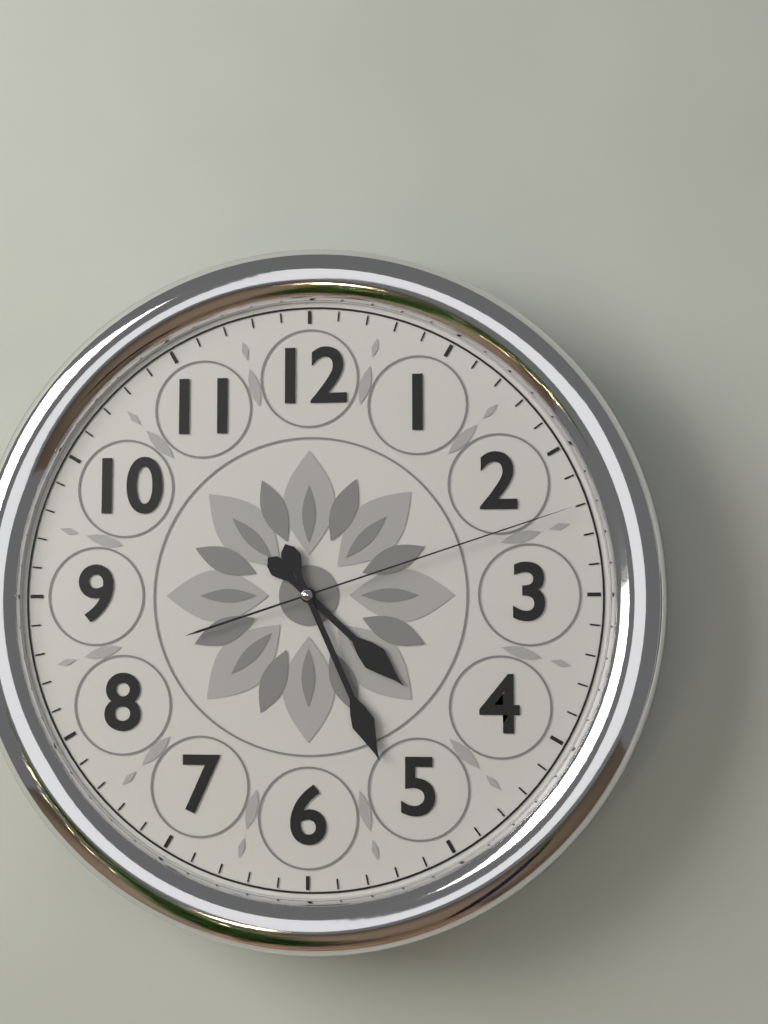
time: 4:26:12
